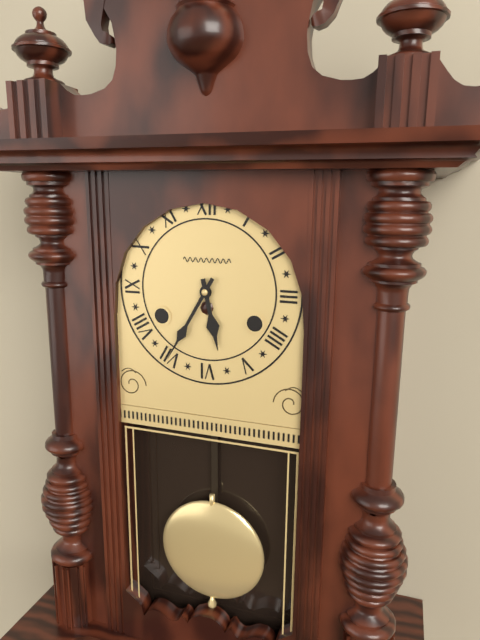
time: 5:35
